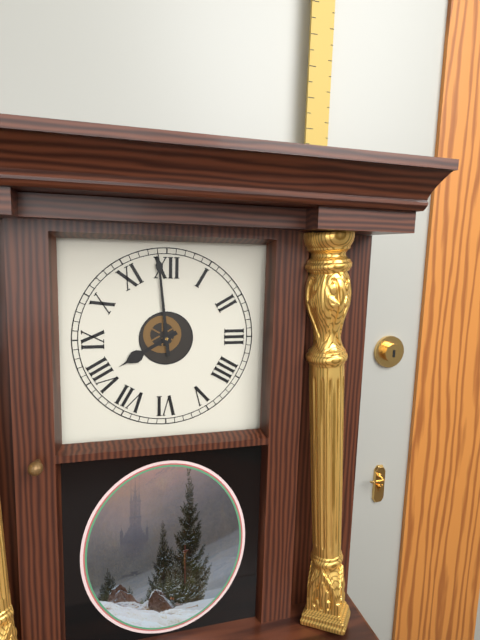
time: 7:59
